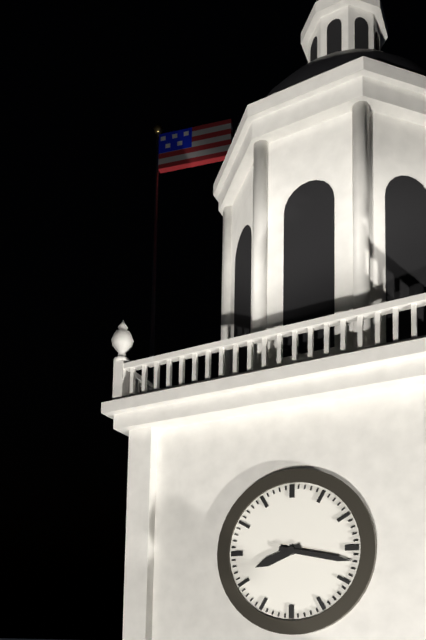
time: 8:17
